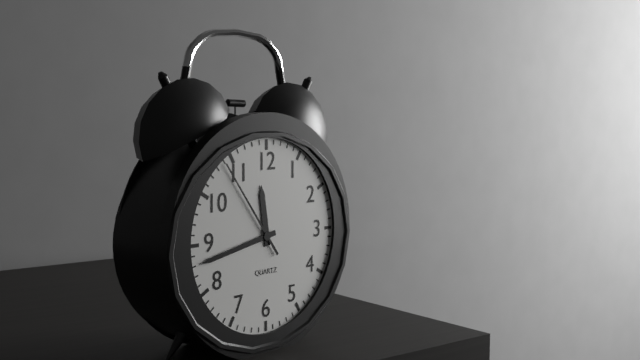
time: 11:43:54
